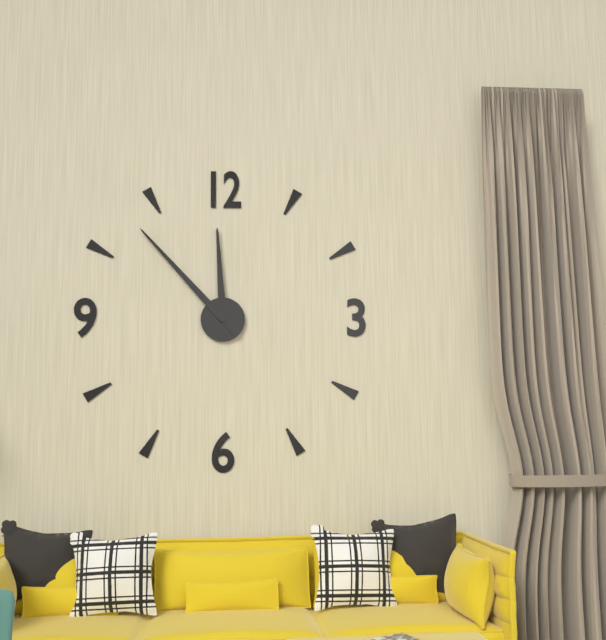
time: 11:53
